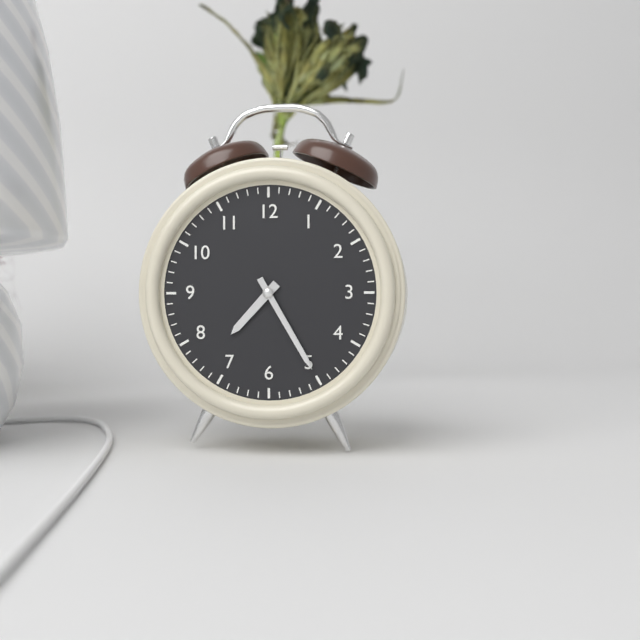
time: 7:25
